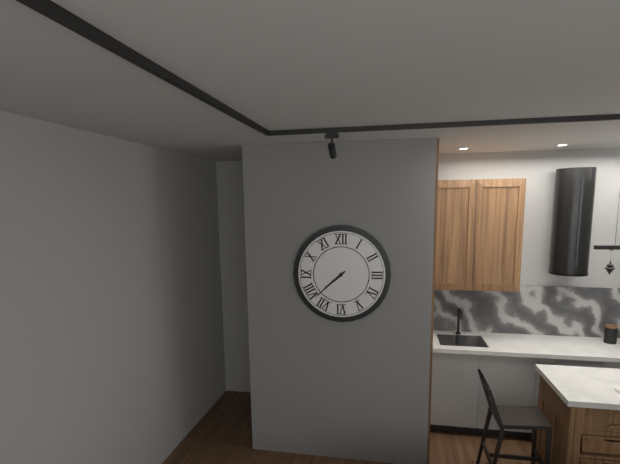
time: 7:38
